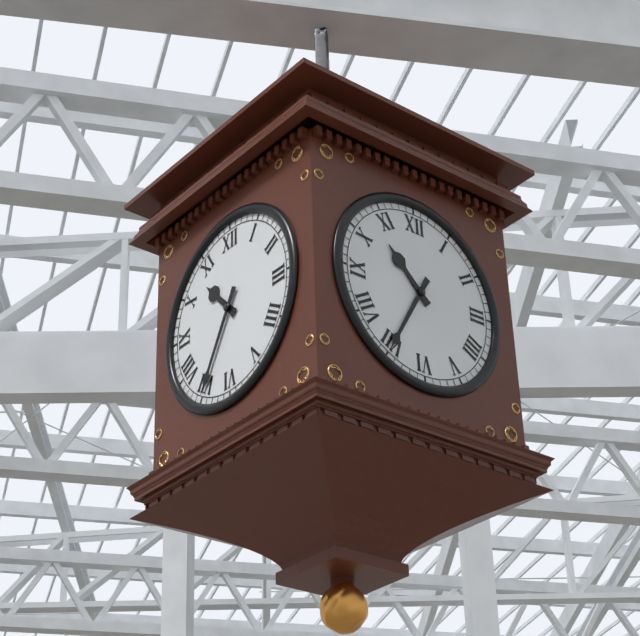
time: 10:35
